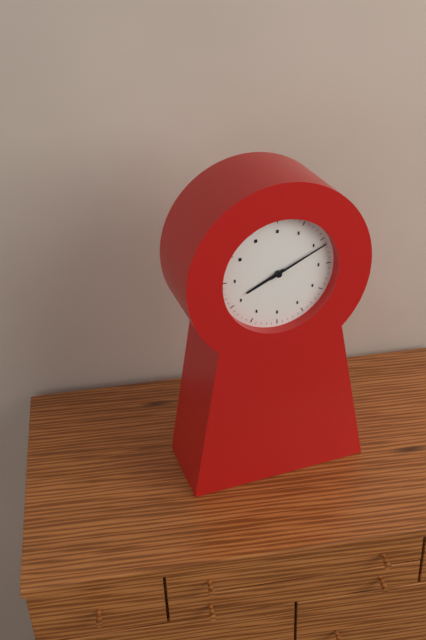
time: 8:11
